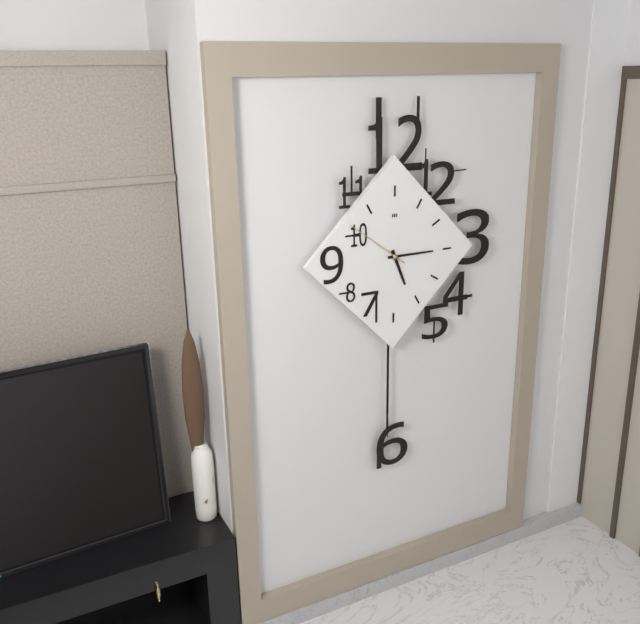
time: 5:15:51
